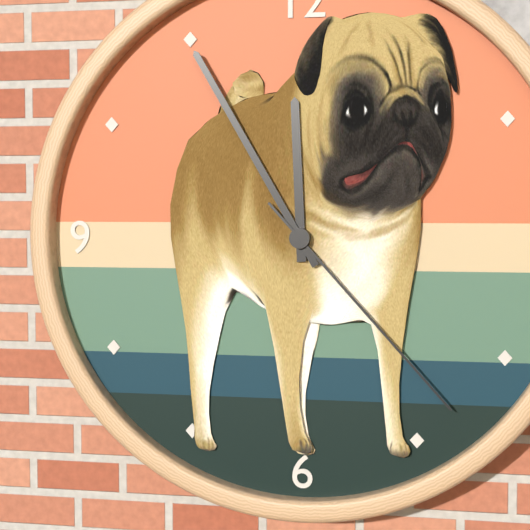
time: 11:55:23
